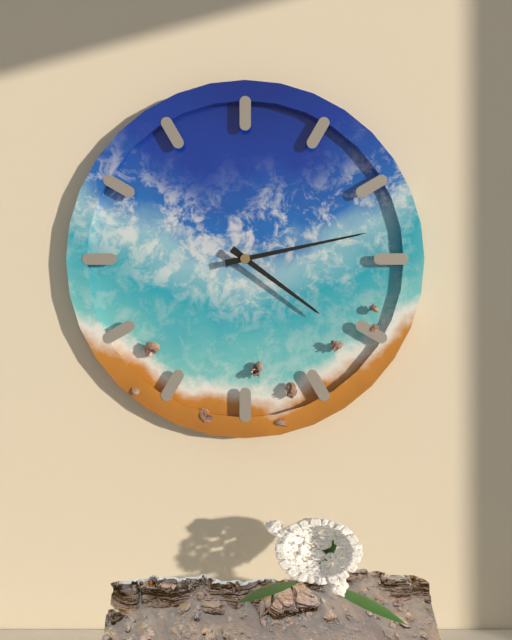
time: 4:13
